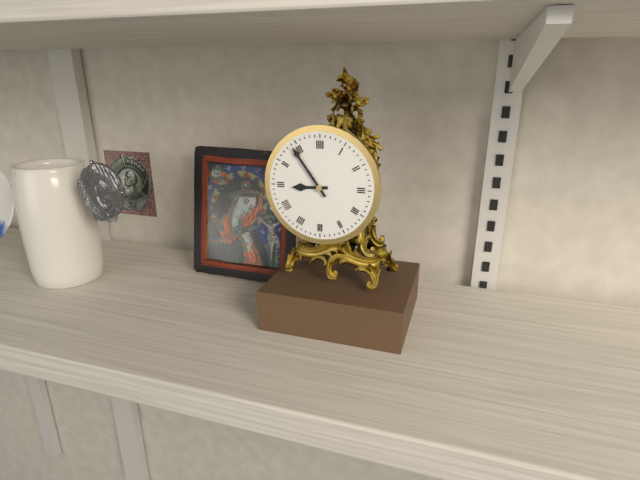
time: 8:54
